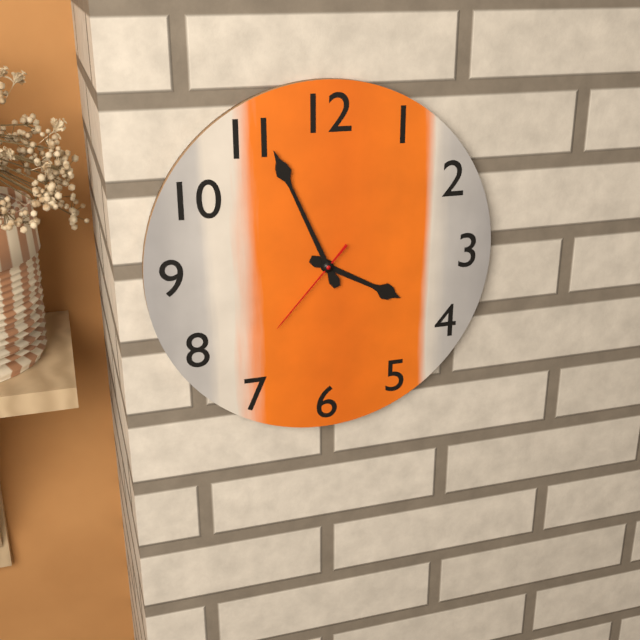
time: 3:56:37
